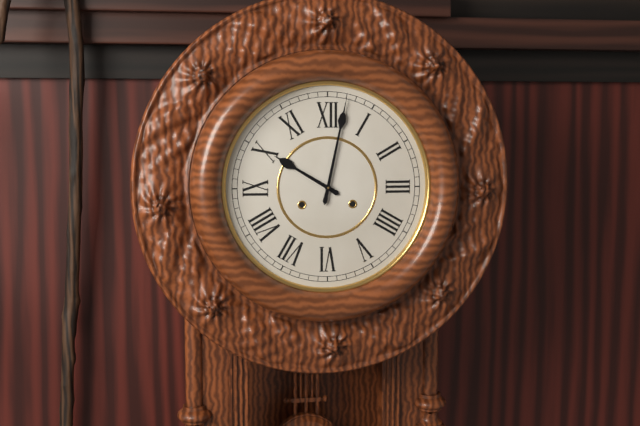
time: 10:02
